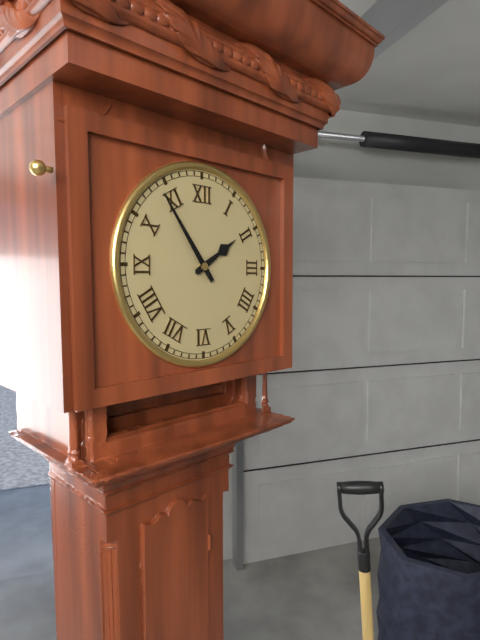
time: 1:54
